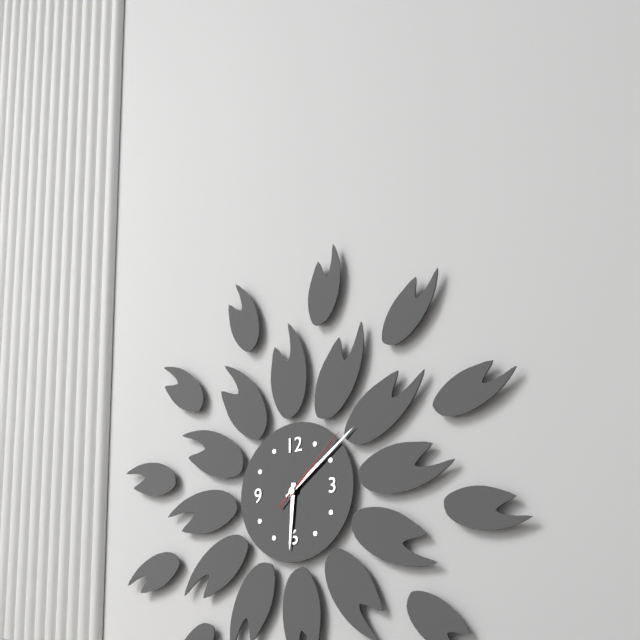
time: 6:09:08
